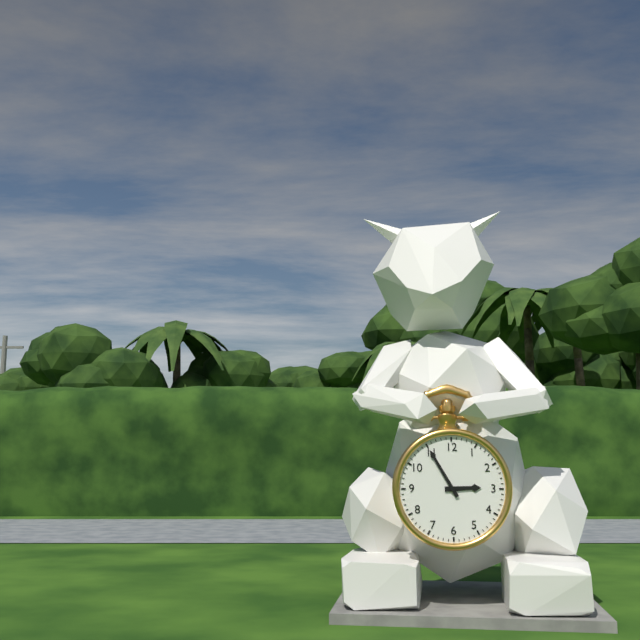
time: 2:55
